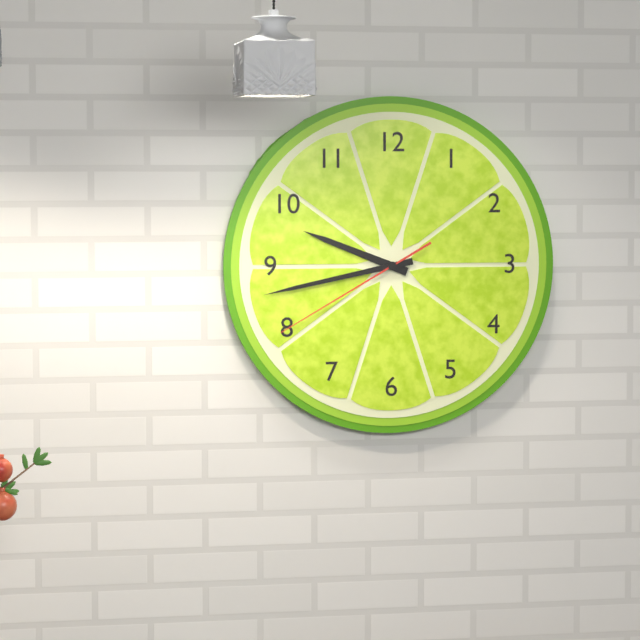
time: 9:43:40
